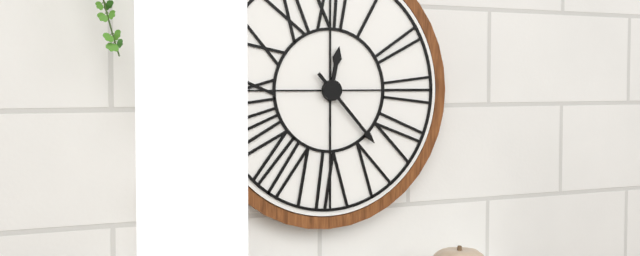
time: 12:23
